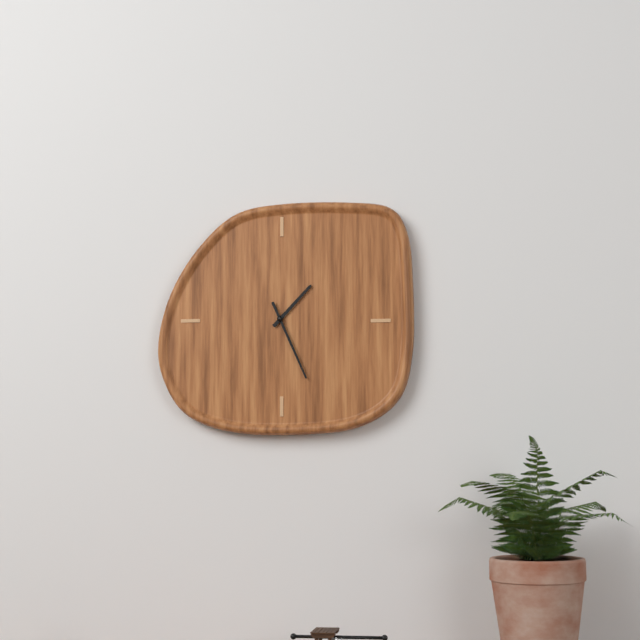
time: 1:26
